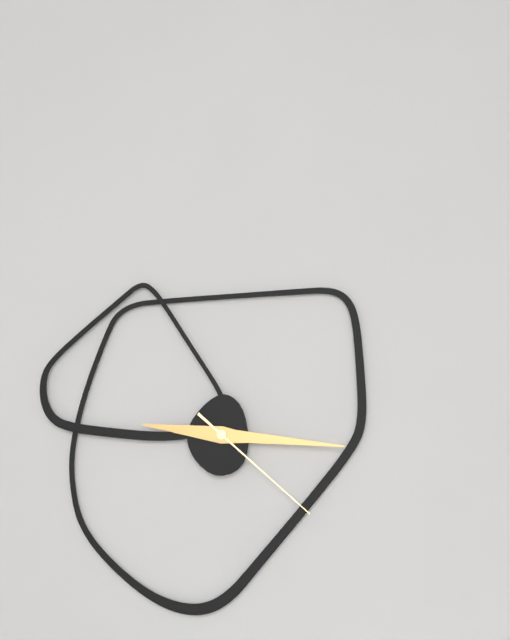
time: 9:16:22
